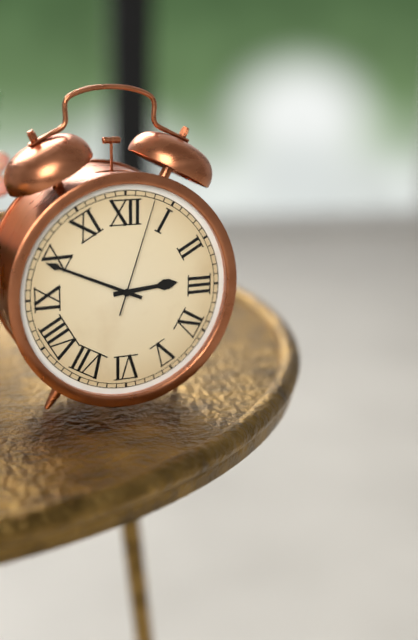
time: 2:49:03
